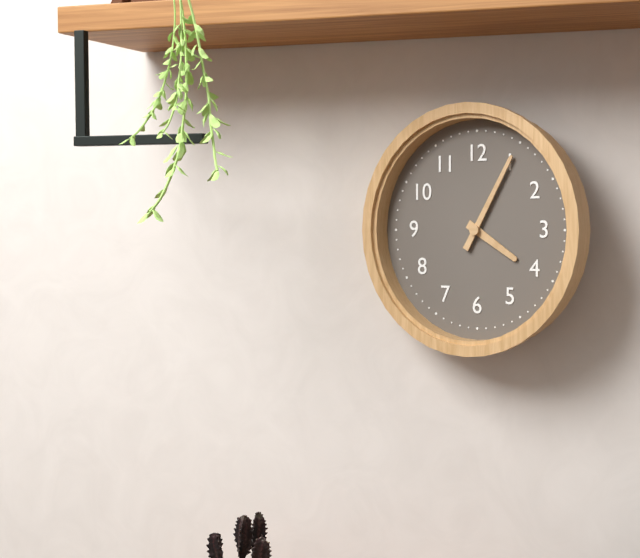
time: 4:05
